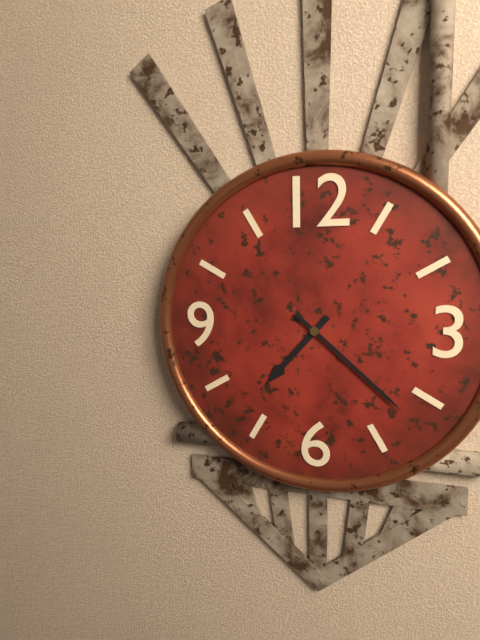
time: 7:22
